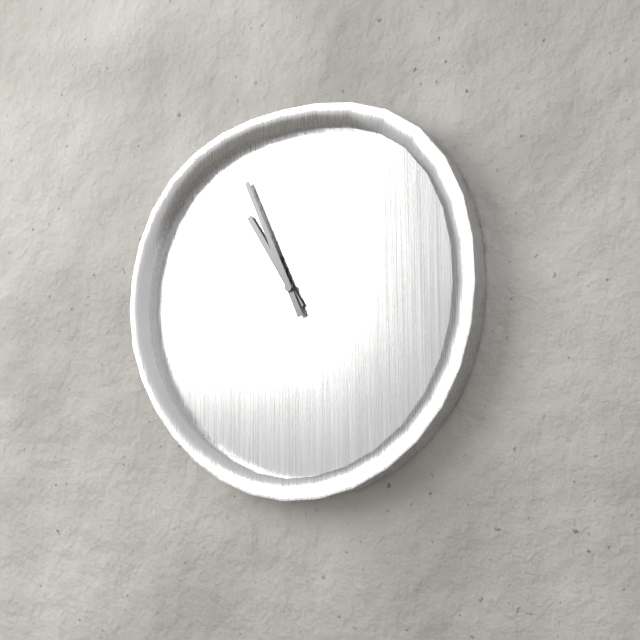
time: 10:56
